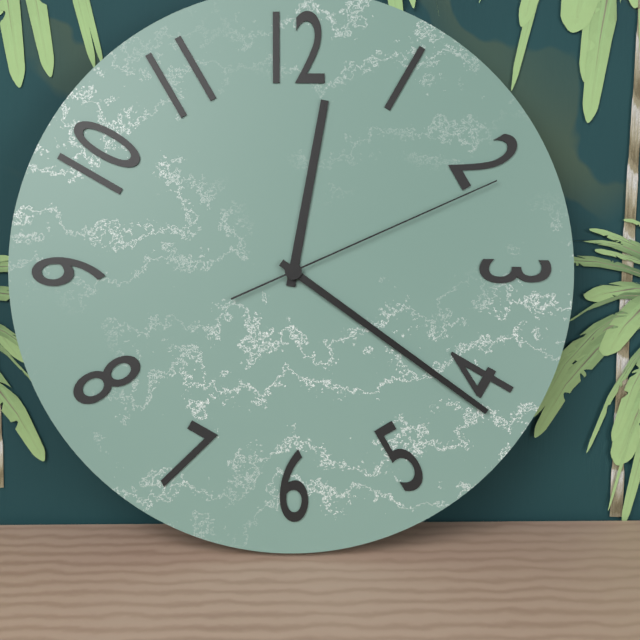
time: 12:21:11
